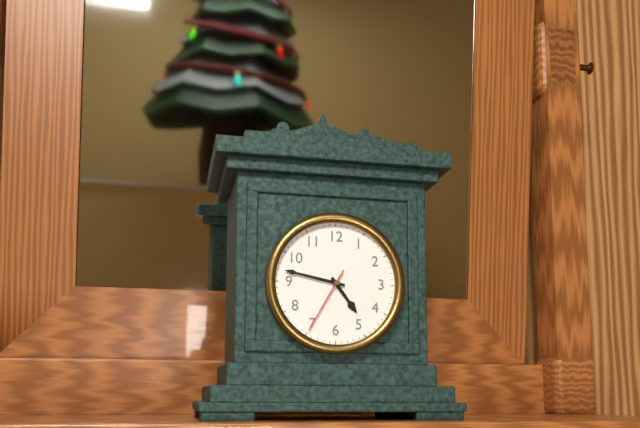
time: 4:47:35
